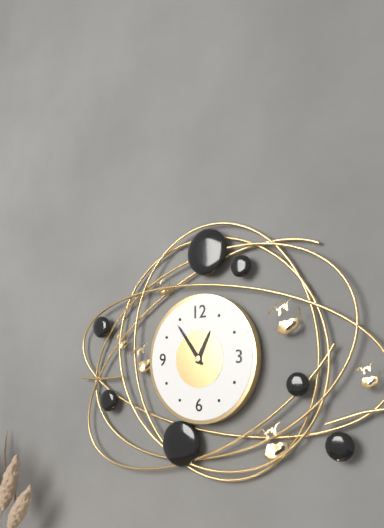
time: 12:54
